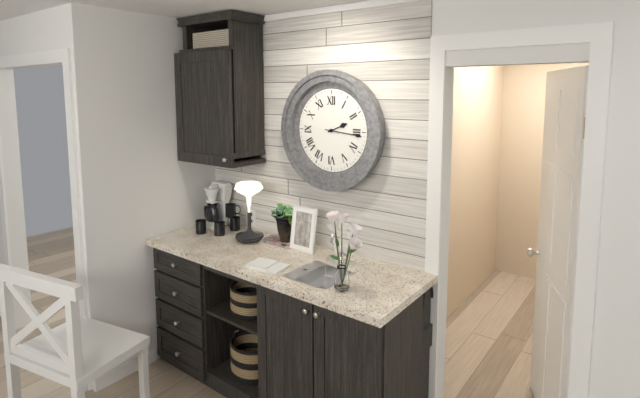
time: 2:16
